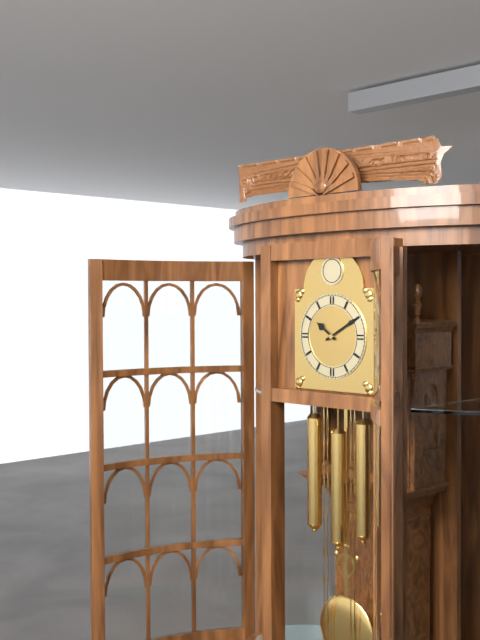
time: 10:10
